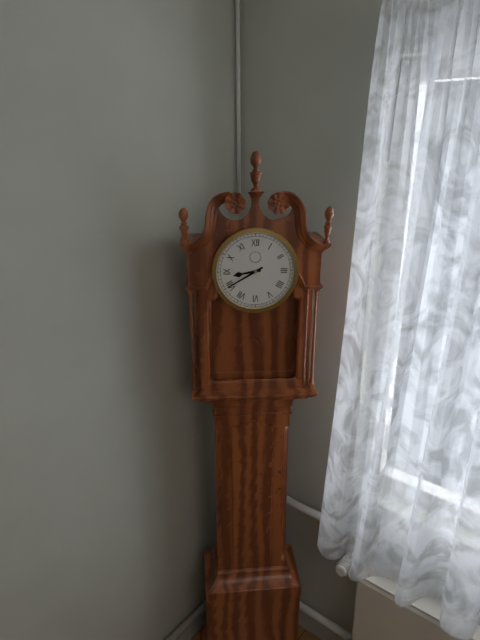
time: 8:40
